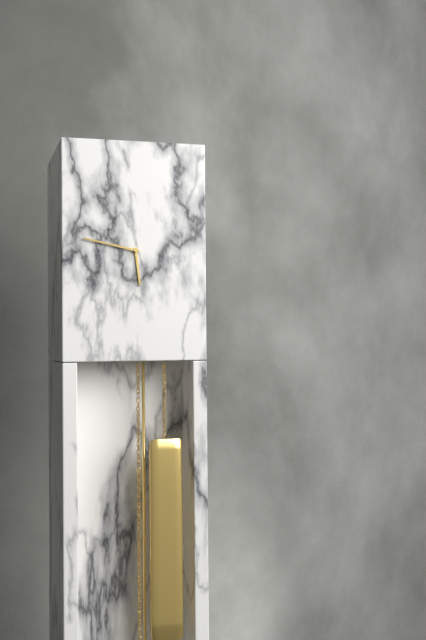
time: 5:47
